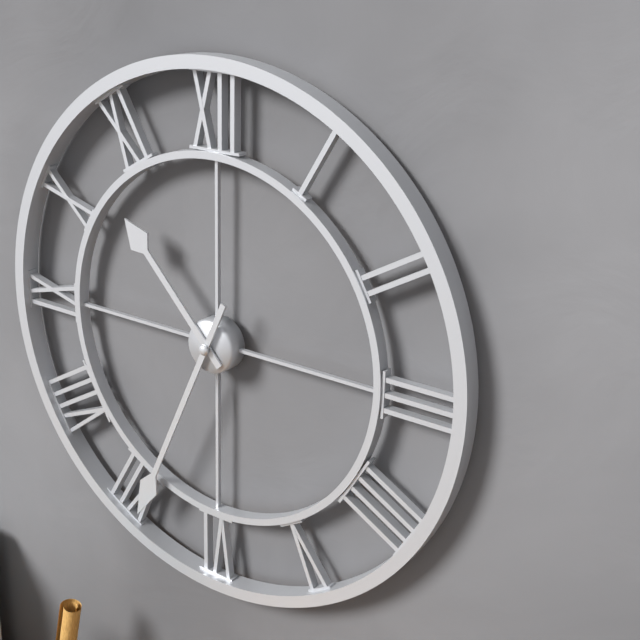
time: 10:34
